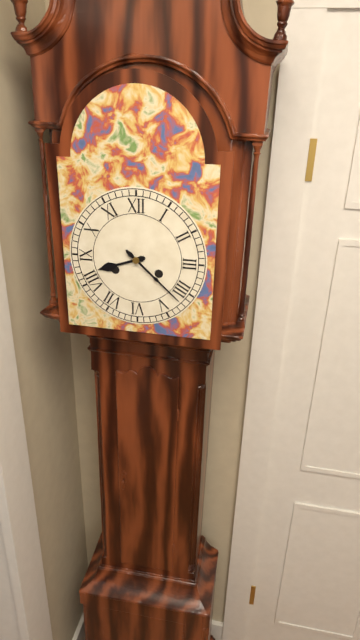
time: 8:22
